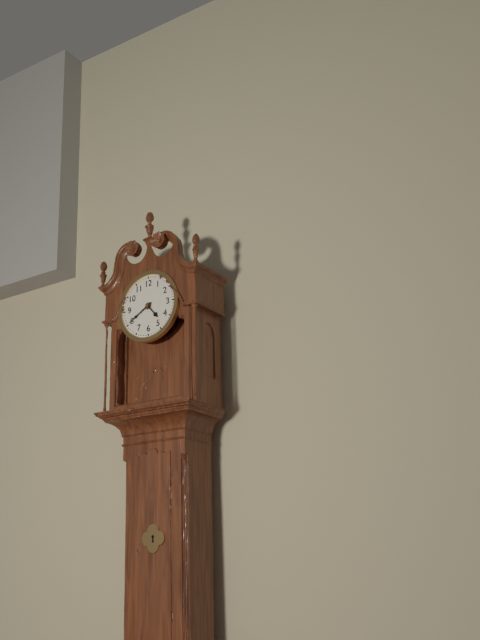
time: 4:40
